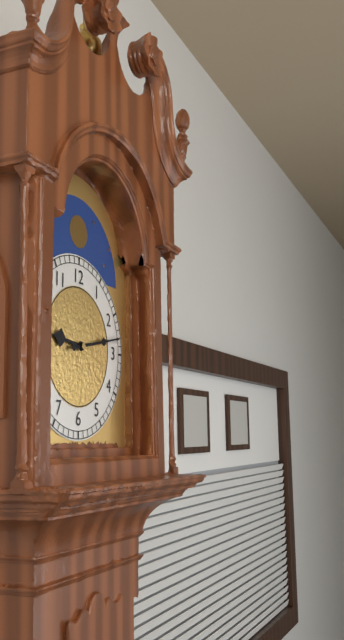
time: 9:13
